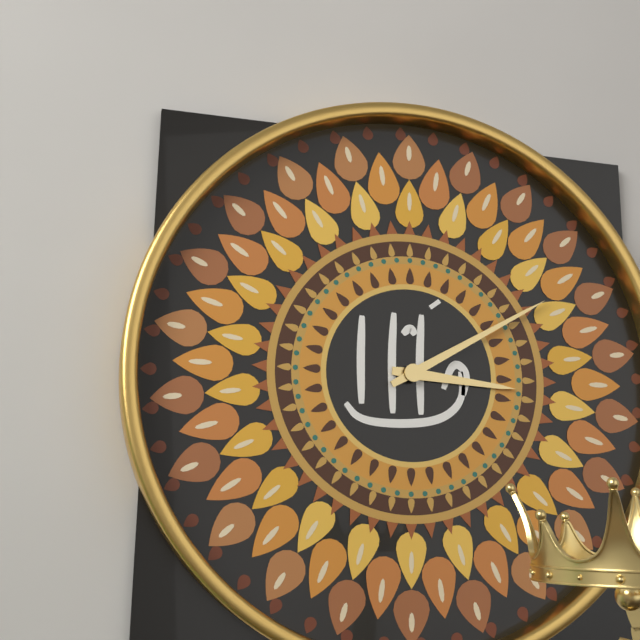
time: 3:10
